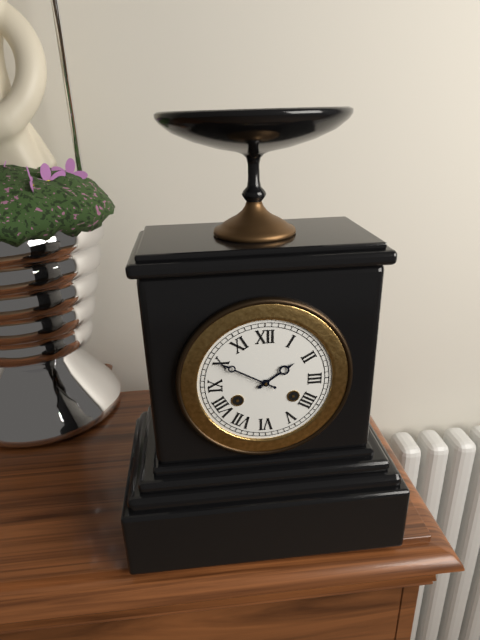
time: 1:50
